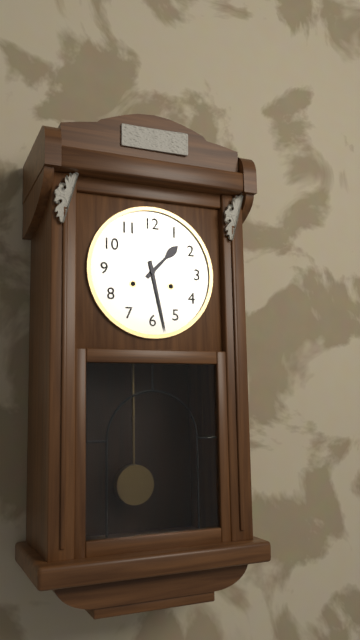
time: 1:28
